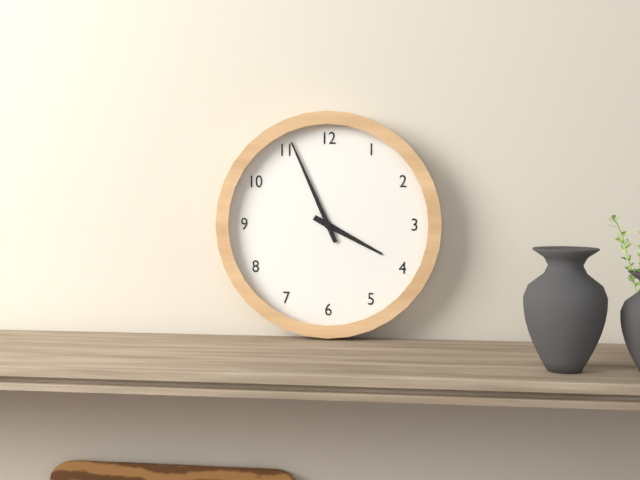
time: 3:56
